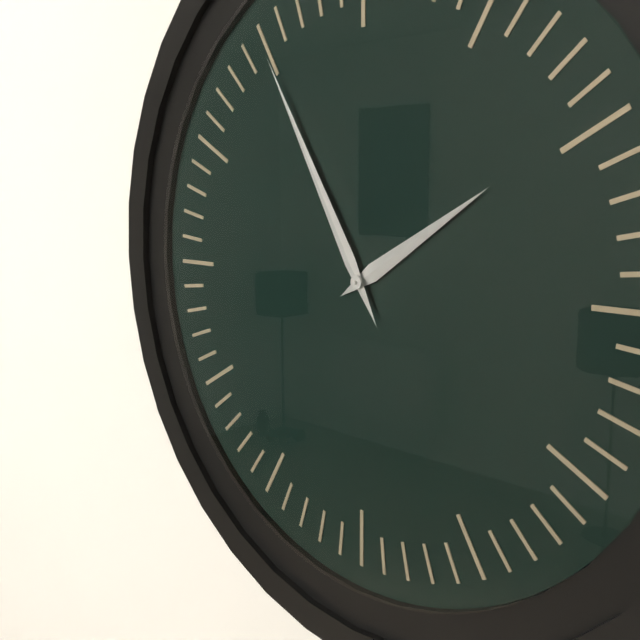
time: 1:55
